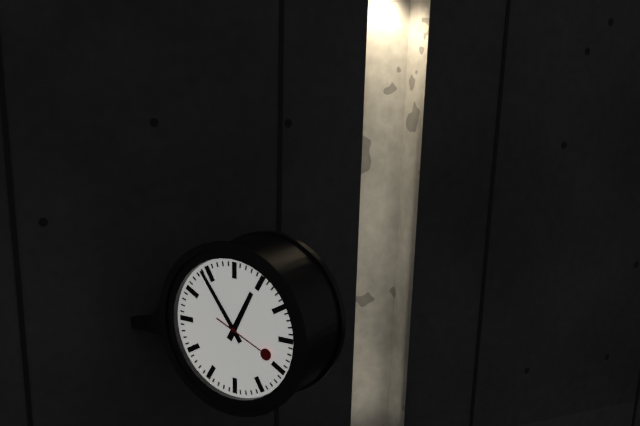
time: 12:54:19
